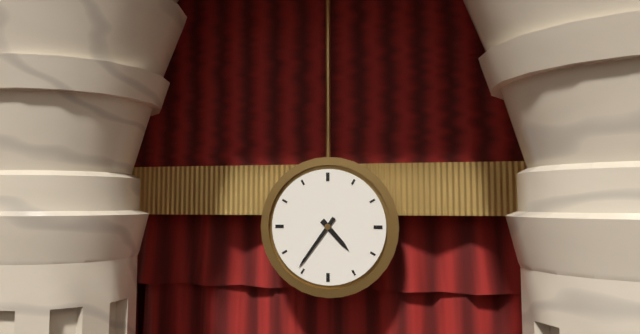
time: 4:36
